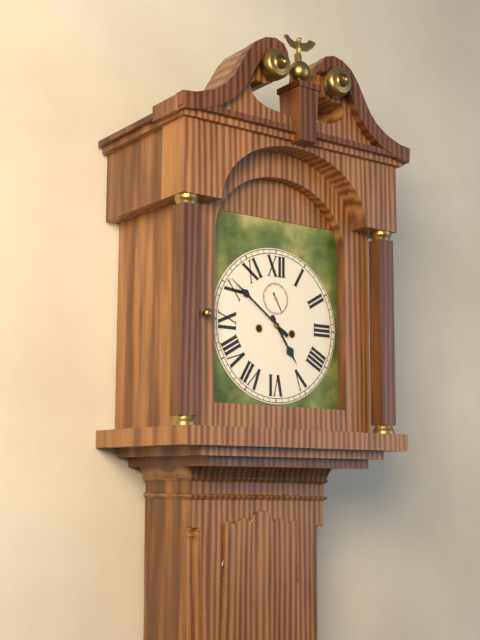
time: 4:51
